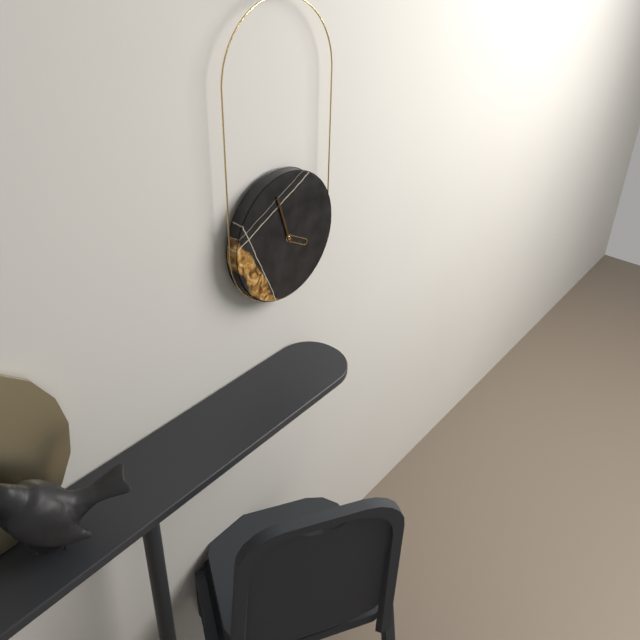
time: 3:57
